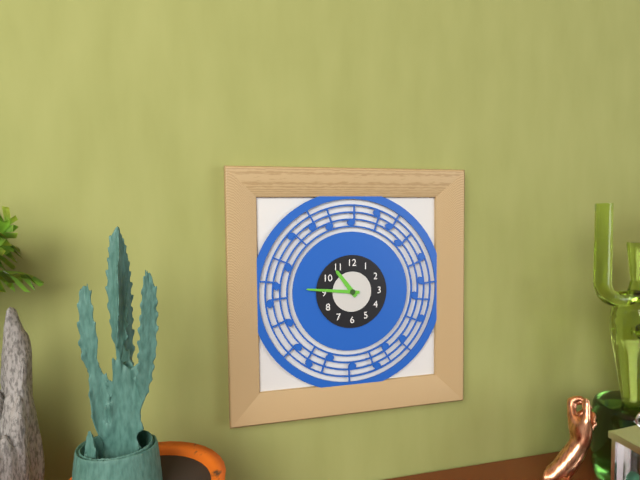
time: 10:46
